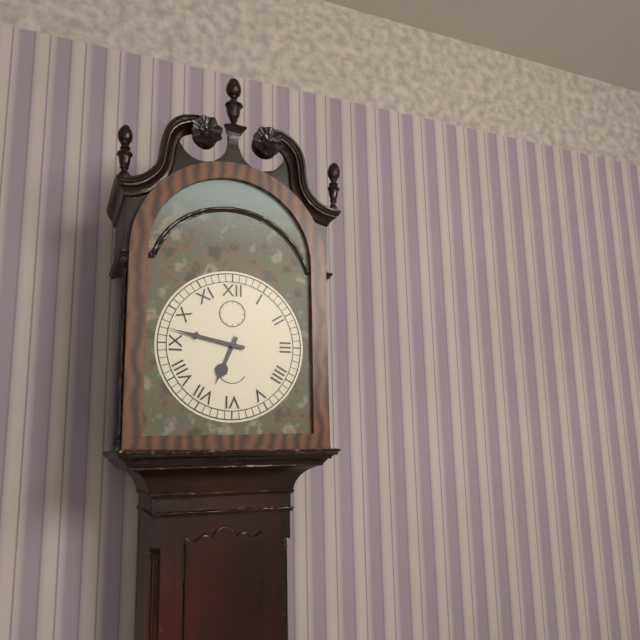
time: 6:47
